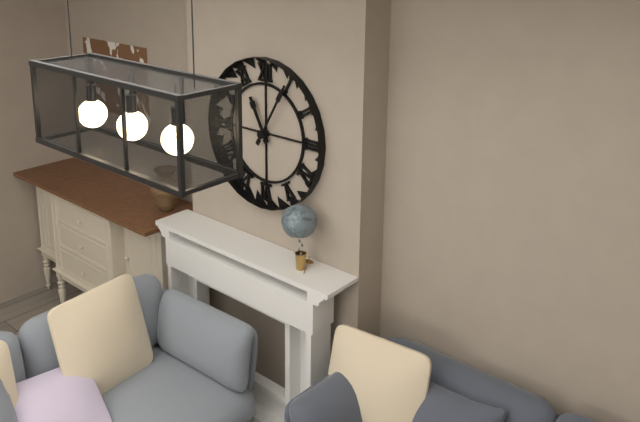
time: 11:05
